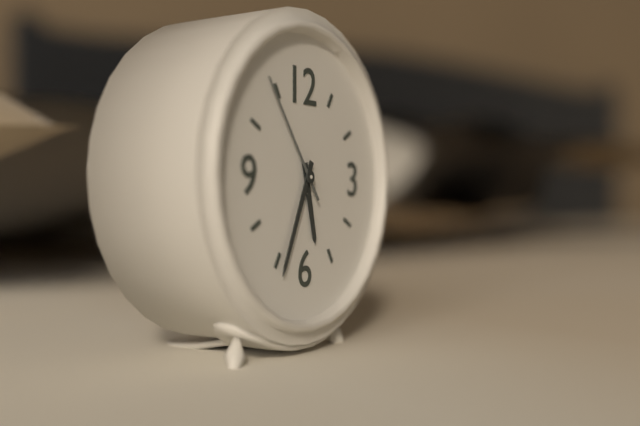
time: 5:34:54
